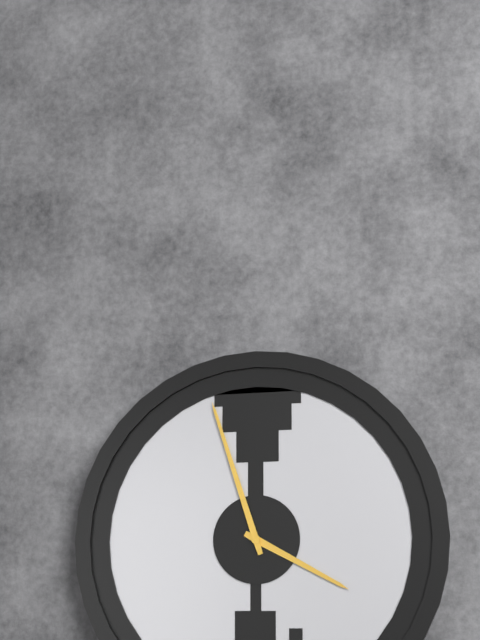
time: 3:57
